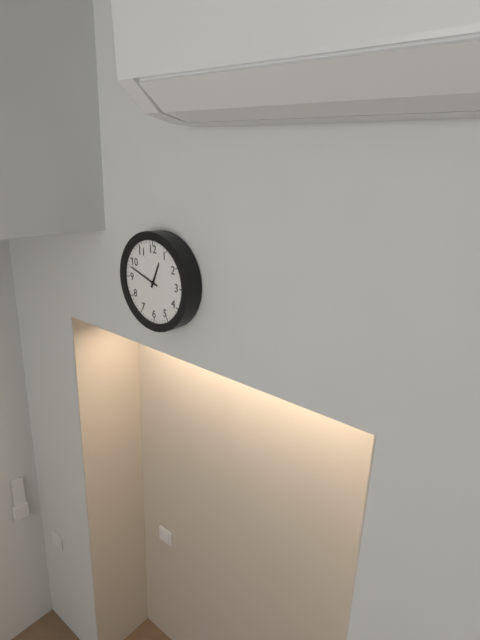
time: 12:48
